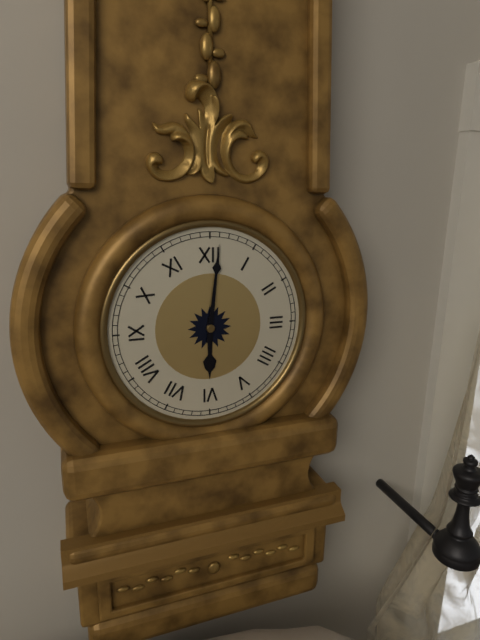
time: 6:01
